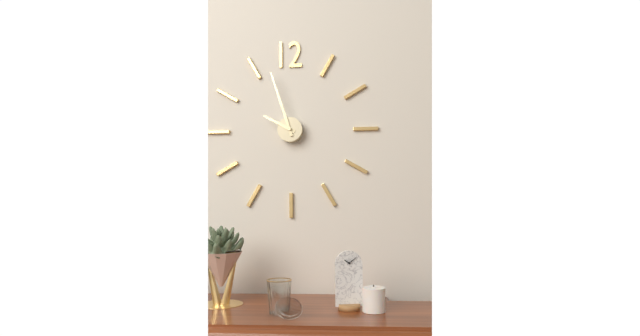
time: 9:57
